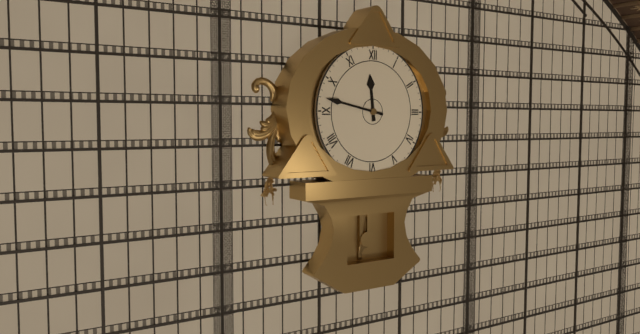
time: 11:47
